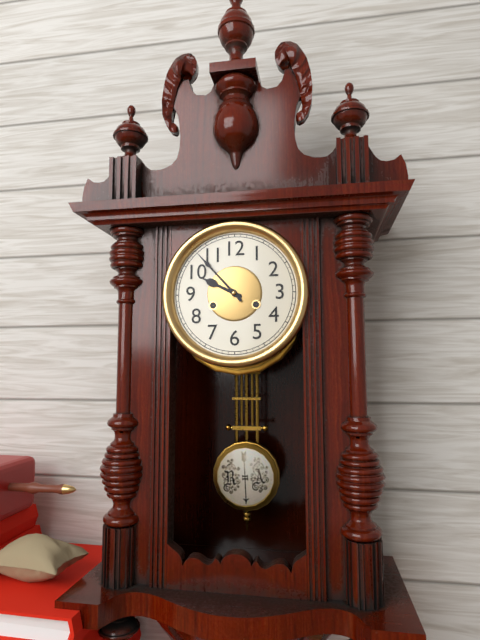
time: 9:53
